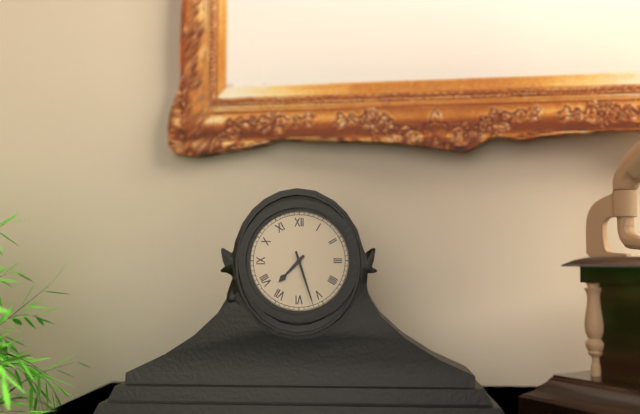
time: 7:27
